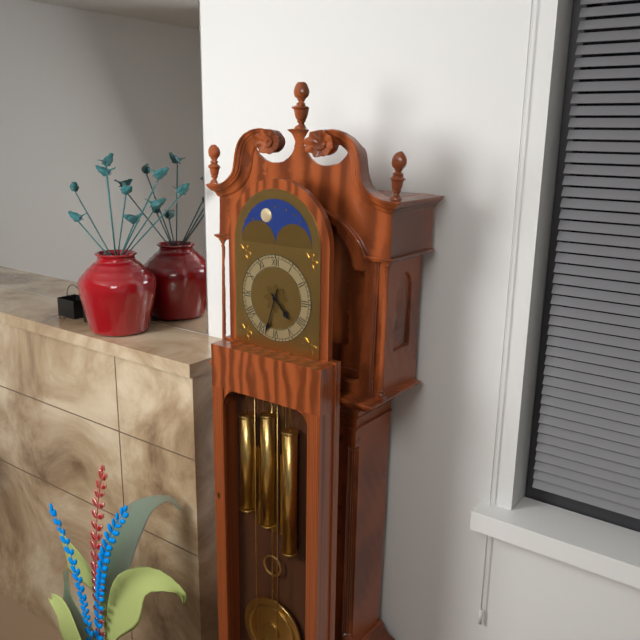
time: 4:33
